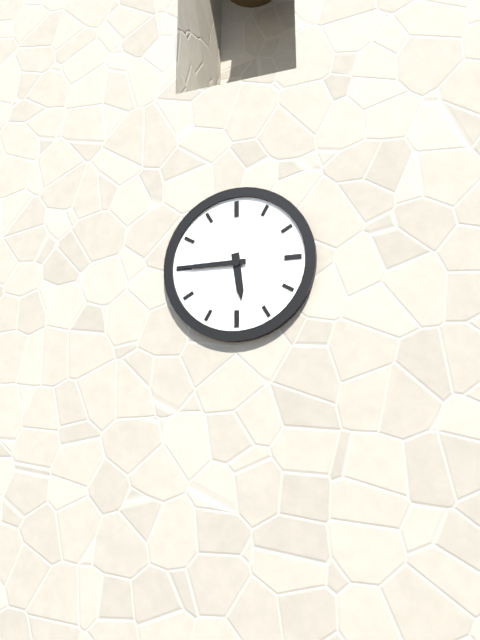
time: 5:45
